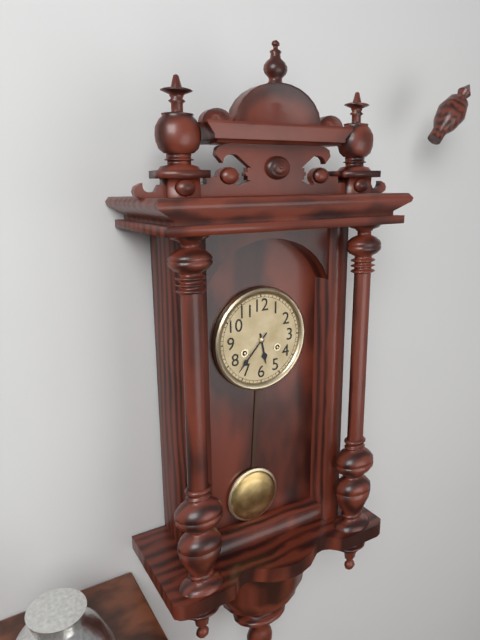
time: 5:37
